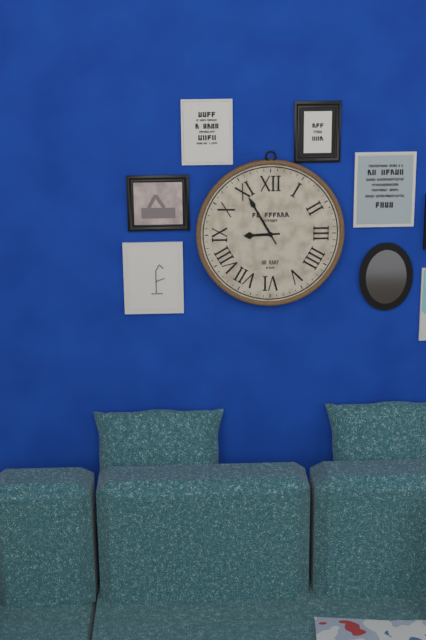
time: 8:55
